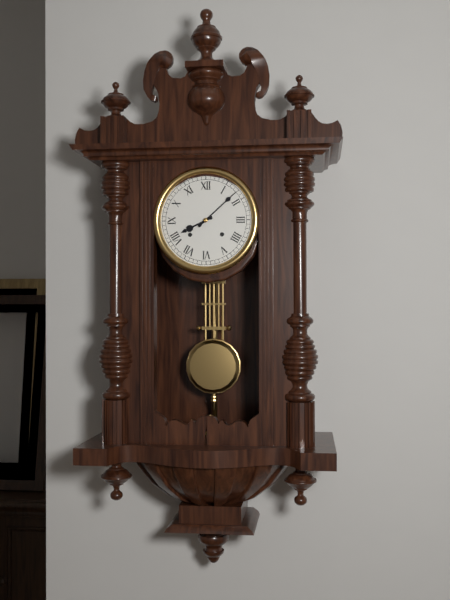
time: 8:08
